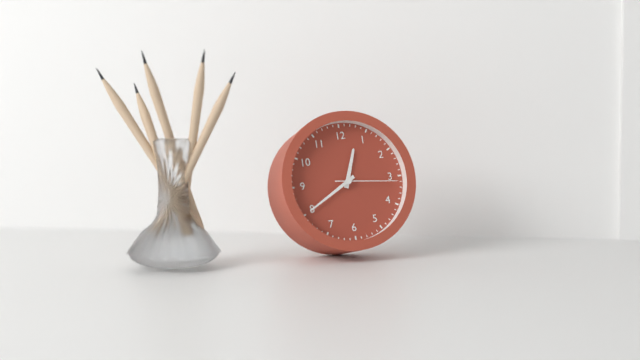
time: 12:40:16
